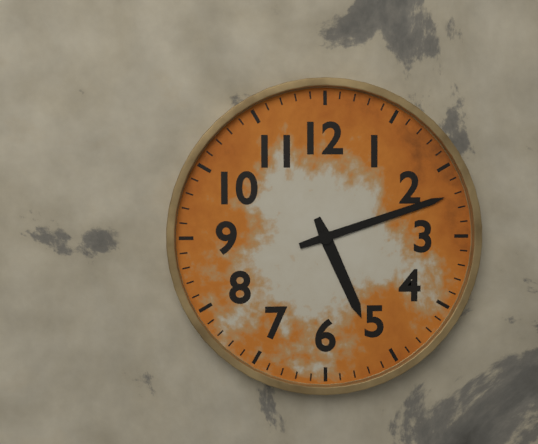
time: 5:12
